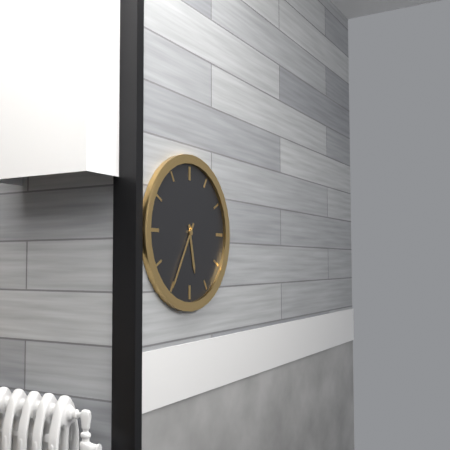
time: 5:35
